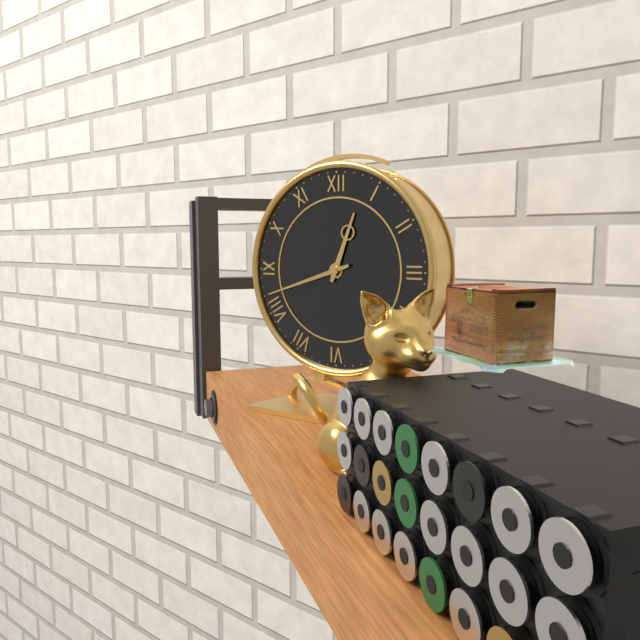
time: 12:42
